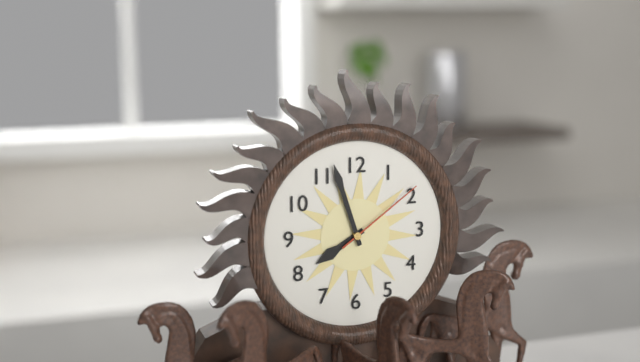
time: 7:57:09
